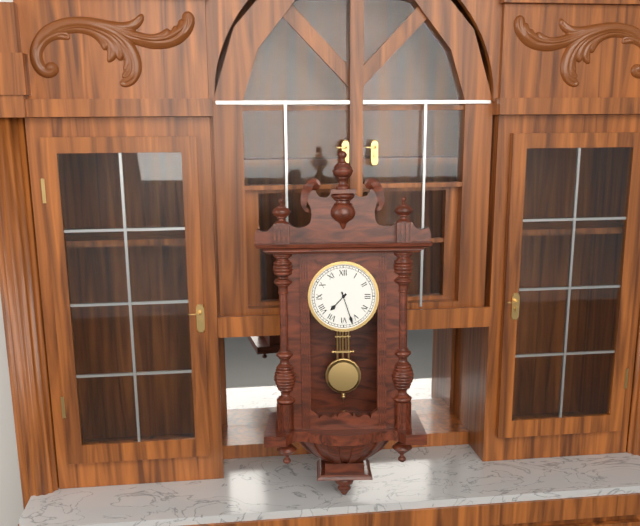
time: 7:27
